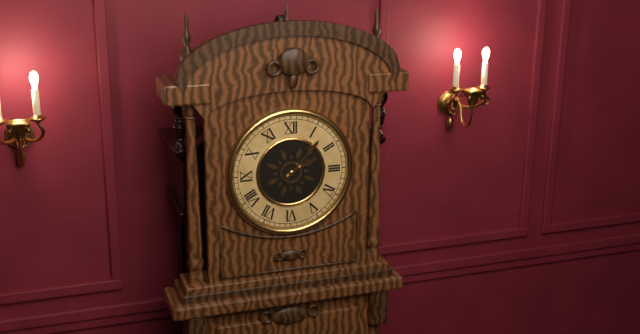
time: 2:07
